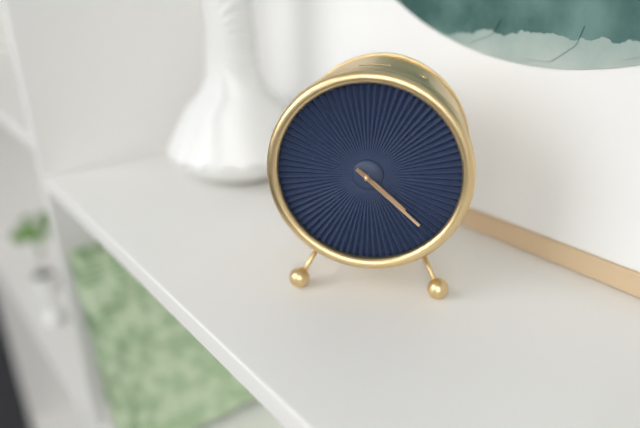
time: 4:22
